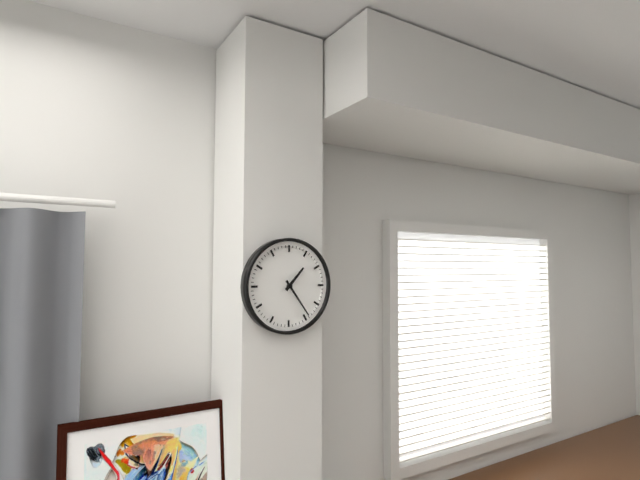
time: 1:24
